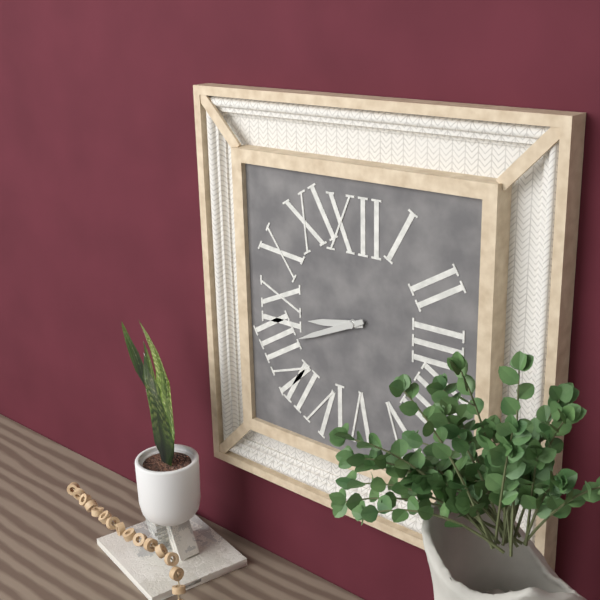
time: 8:41
